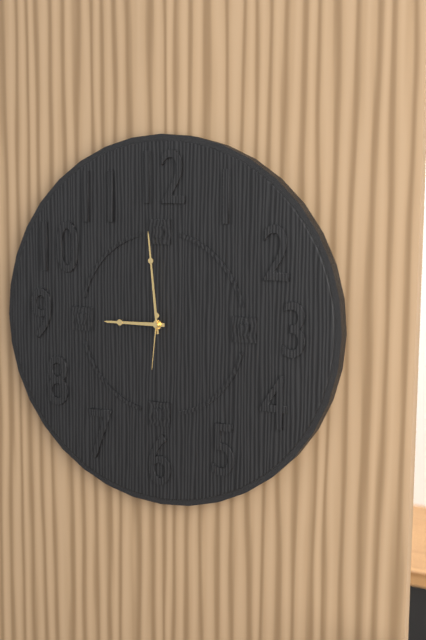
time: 8:59:31
